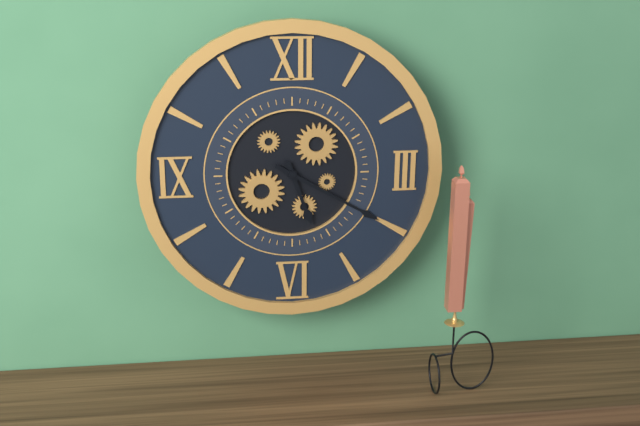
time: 5:20
